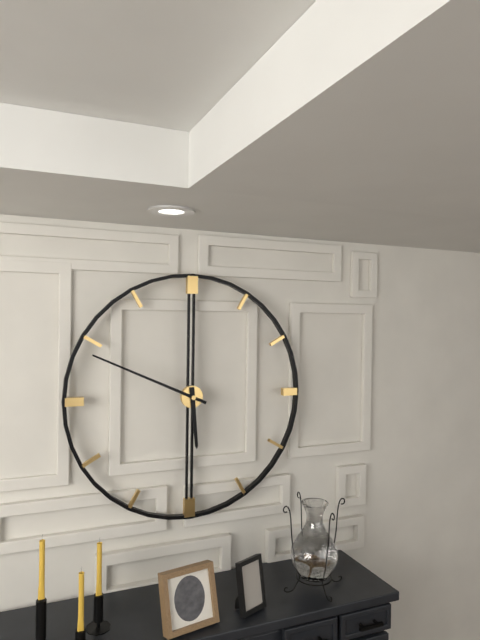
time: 5:49
